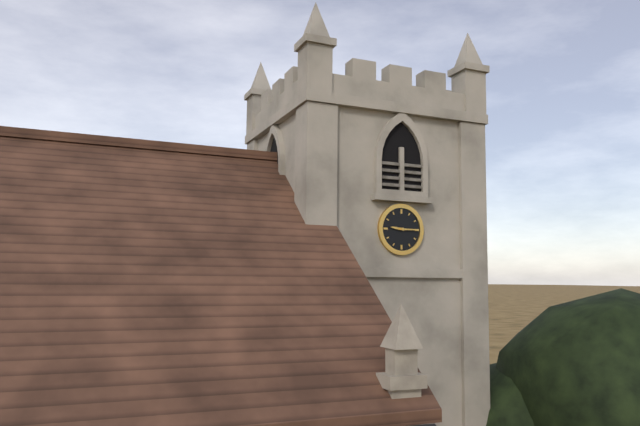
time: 9:15
